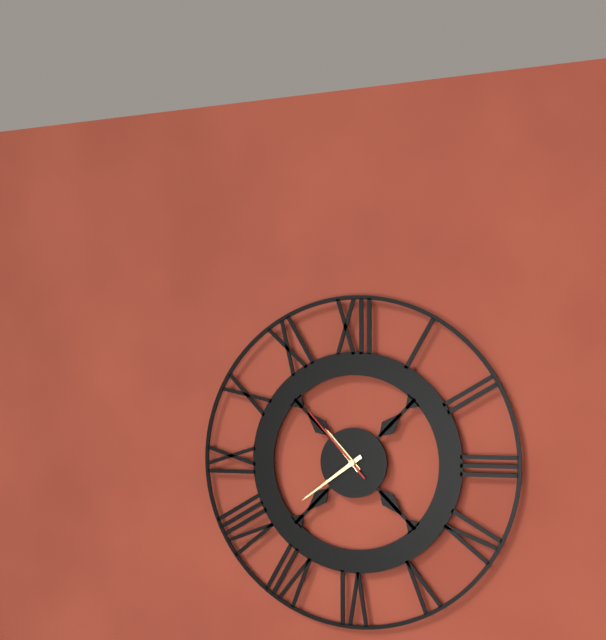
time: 10:39:53
